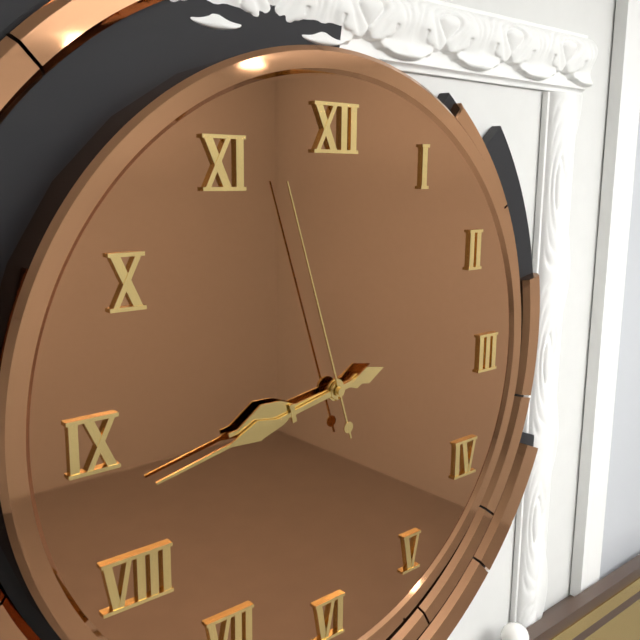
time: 8:43:57
